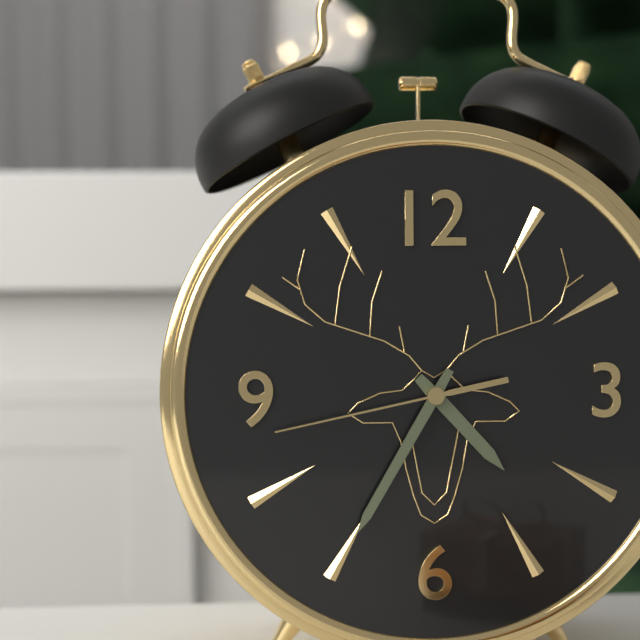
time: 4:35:43
